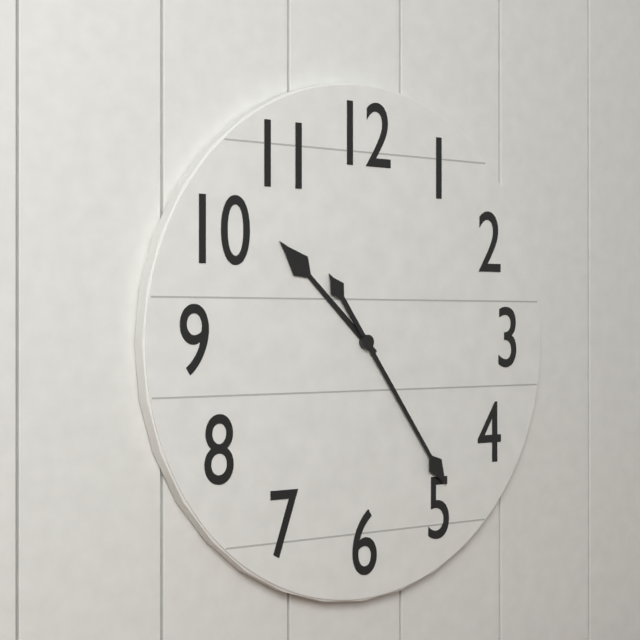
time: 10:24
